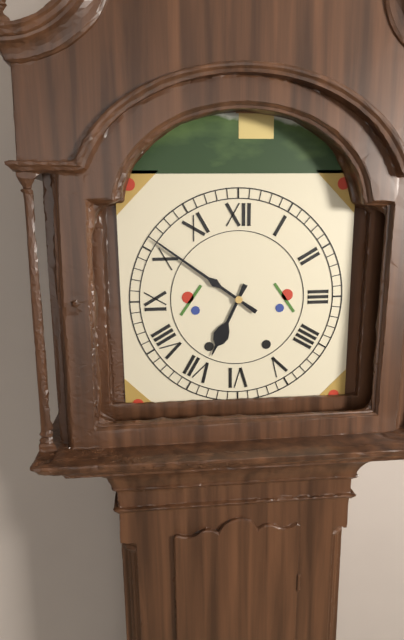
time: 6:51
